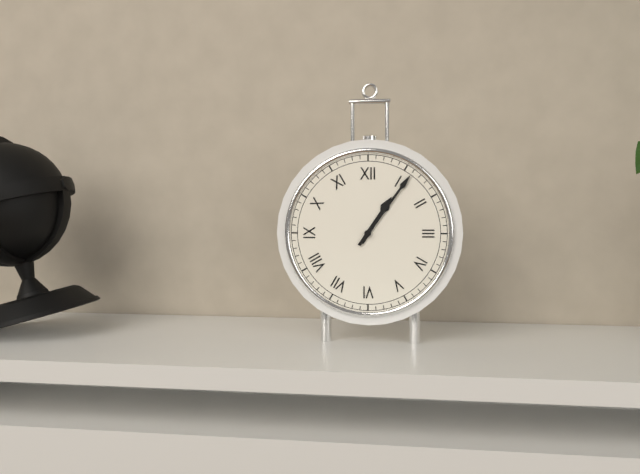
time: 1:06
